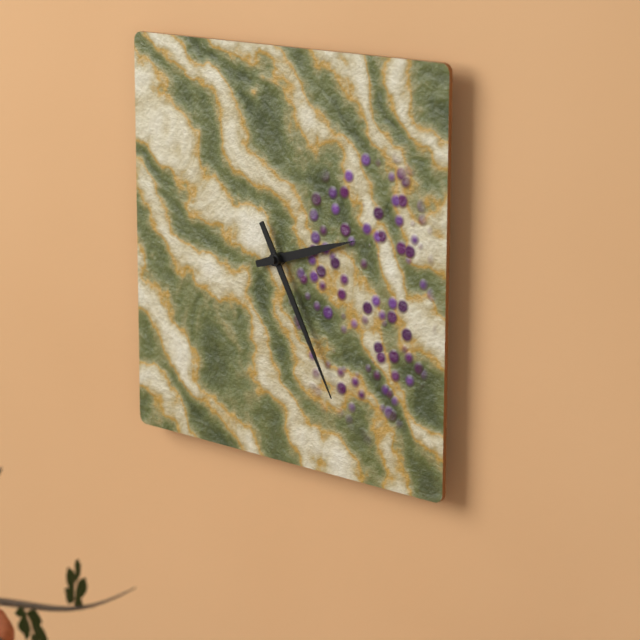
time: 2:25
